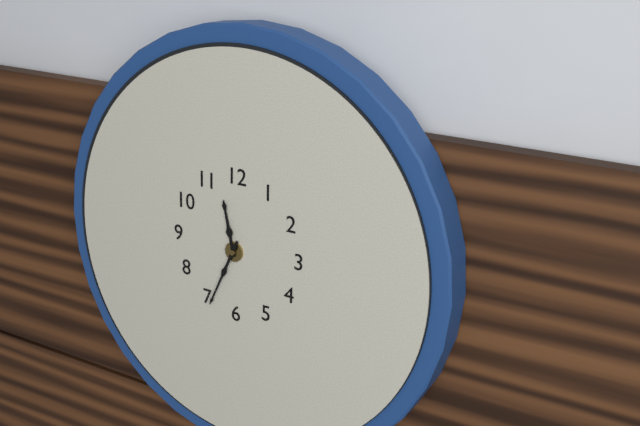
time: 11:34
